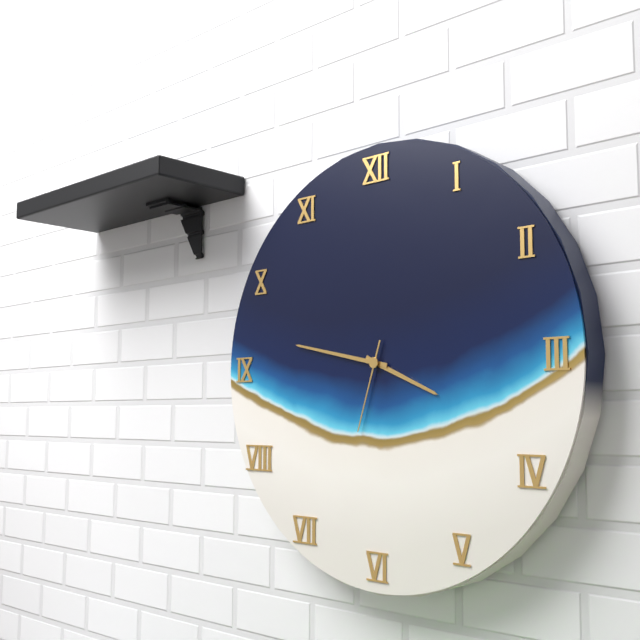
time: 3:47:33
